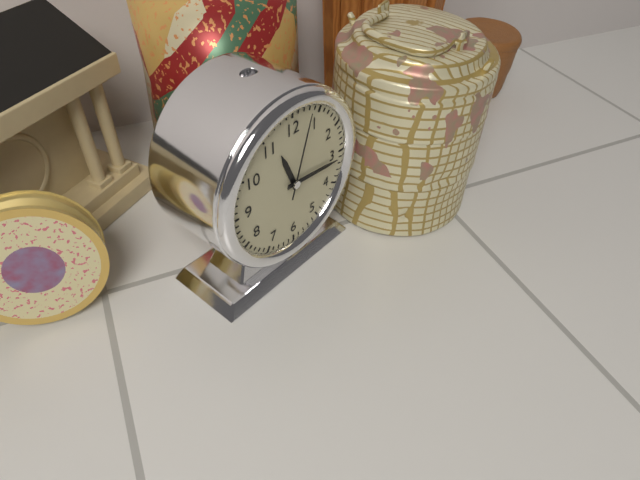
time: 11:16:03
